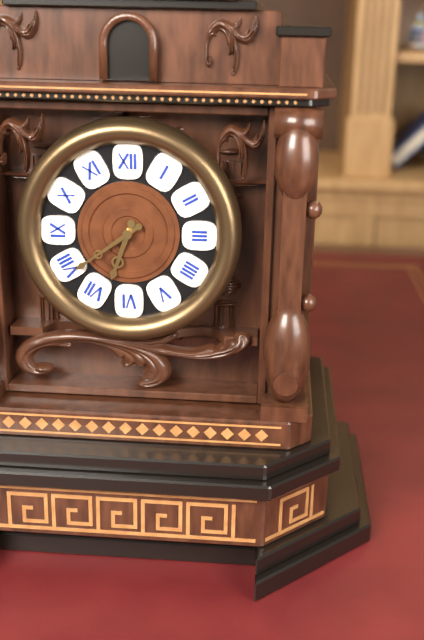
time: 6:39
